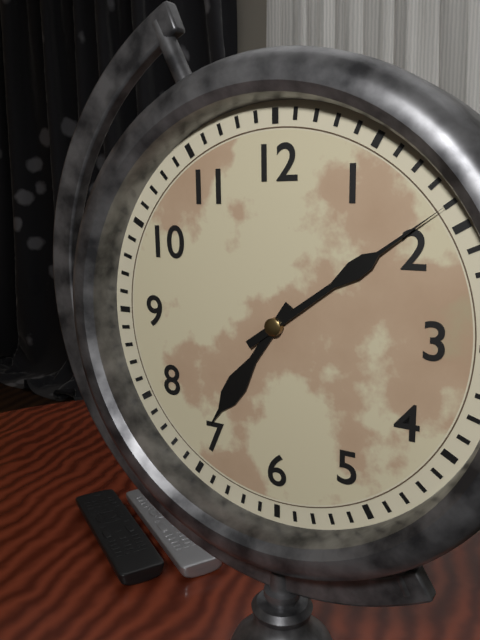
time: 7:09
